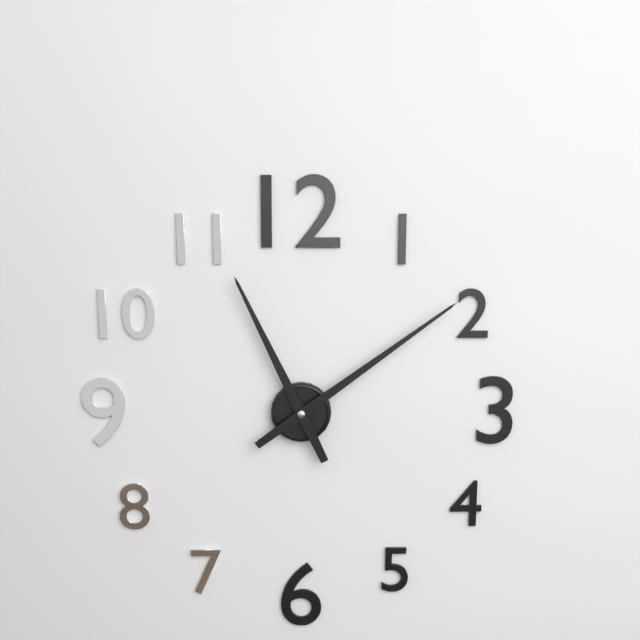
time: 11:09
